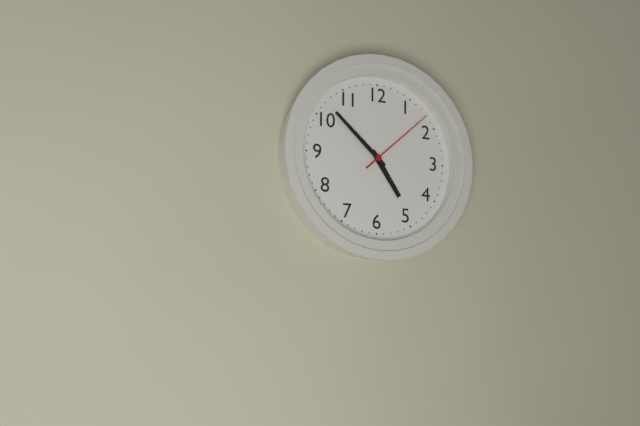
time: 4:52:08
